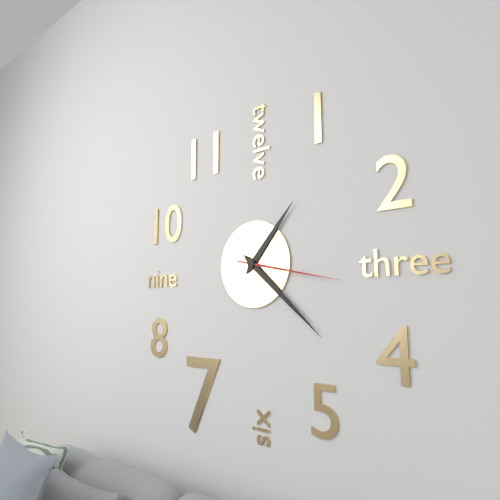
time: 1:22:17
